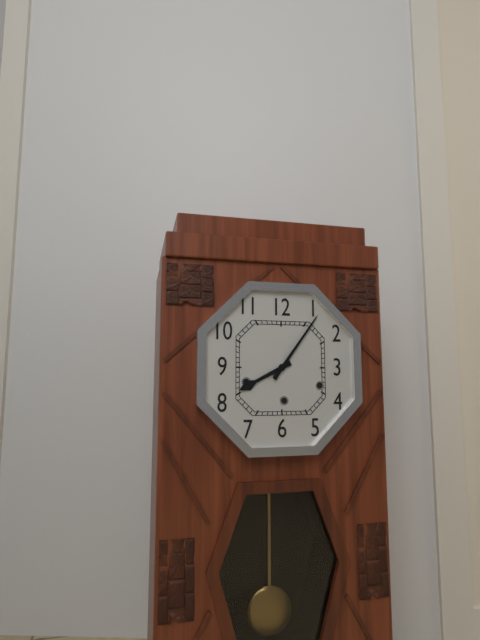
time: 8:06
